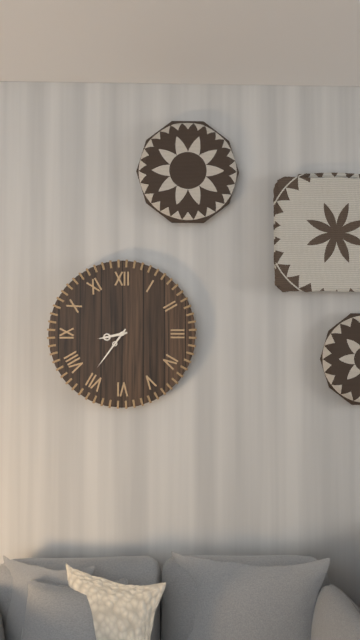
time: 8:36
